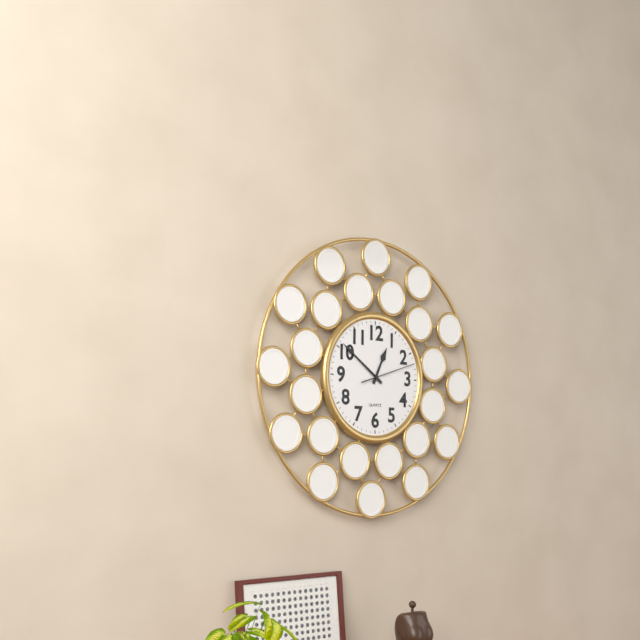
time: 12:51:12
